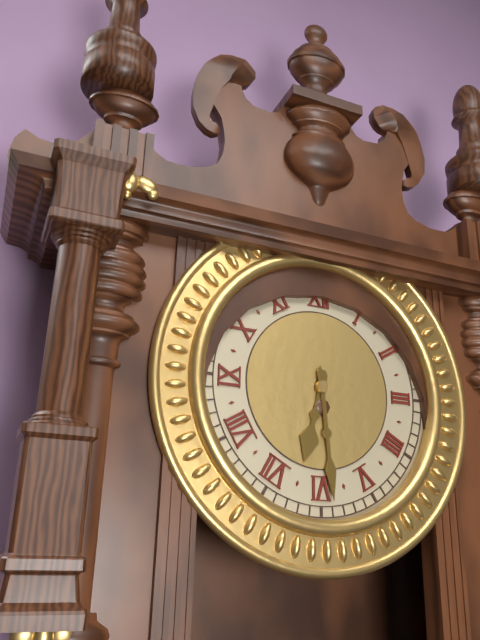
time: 6:29
